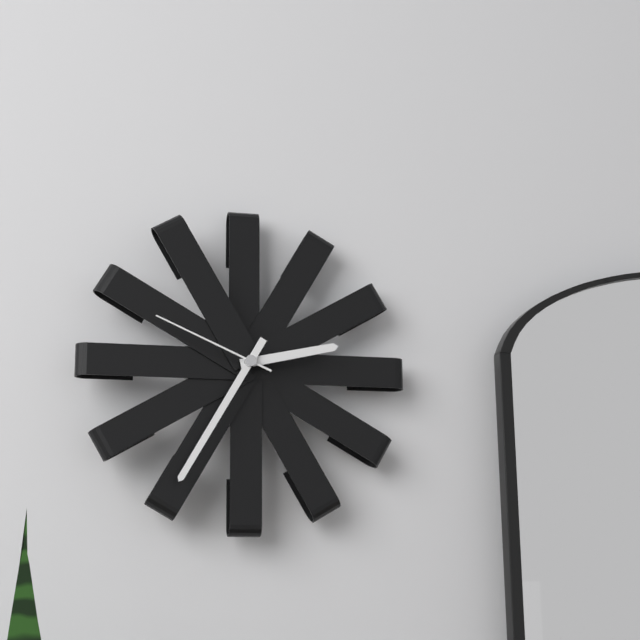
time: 2:35:49
